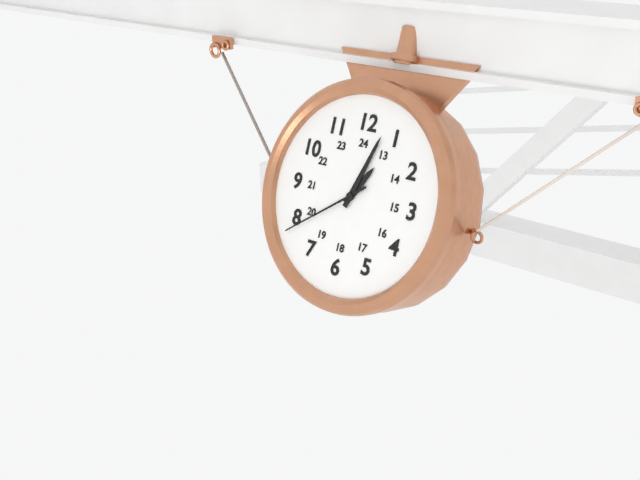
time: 1:03:39
